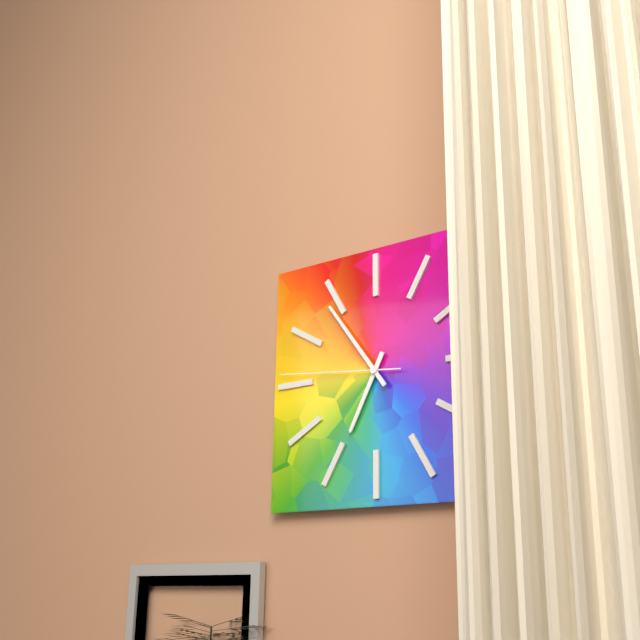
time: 6:54:46
